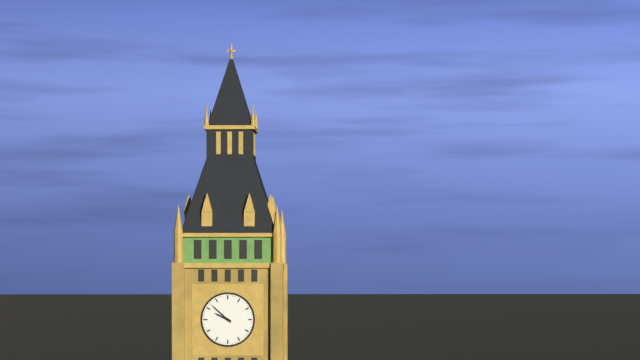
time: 9:52
